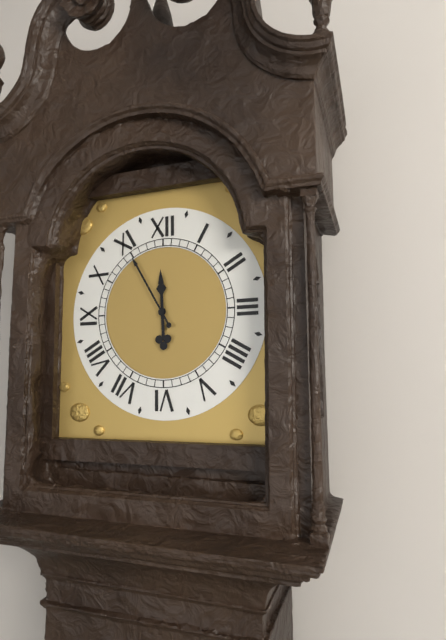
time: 11:55
